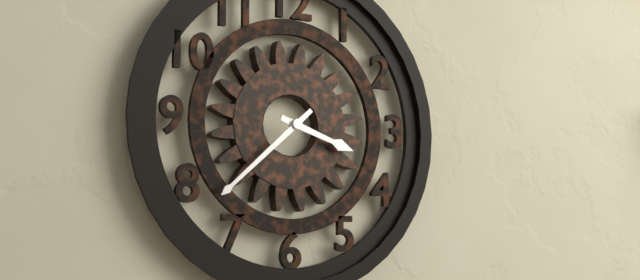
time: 3:38
